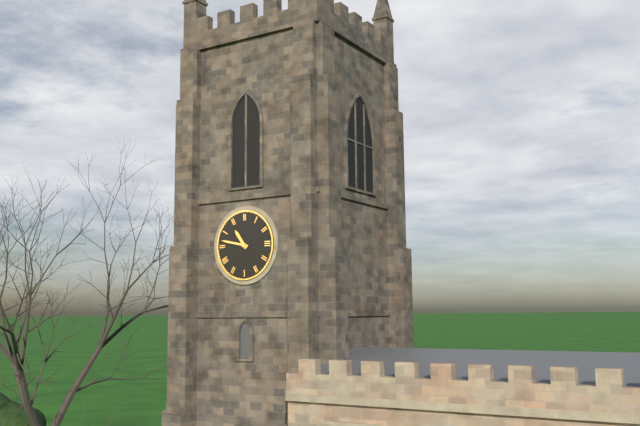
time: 10:47
